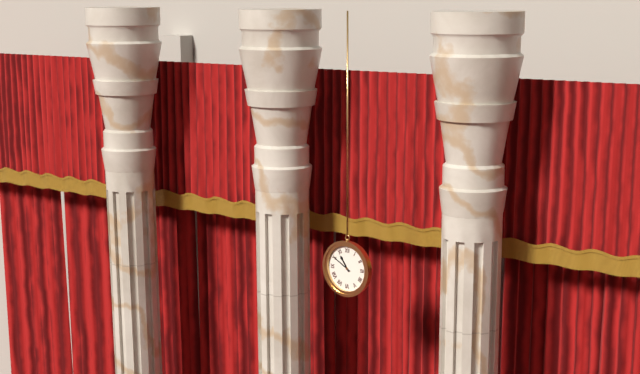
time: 10:50
